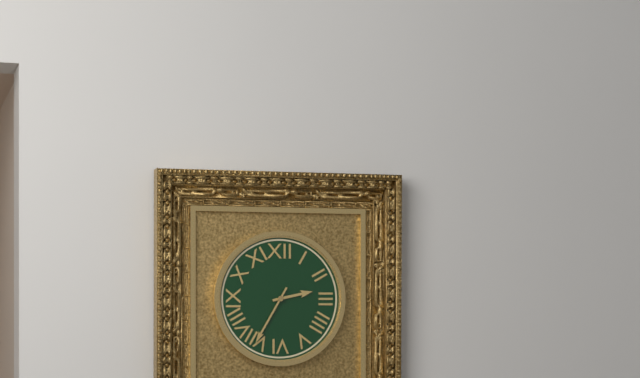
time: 2:35
